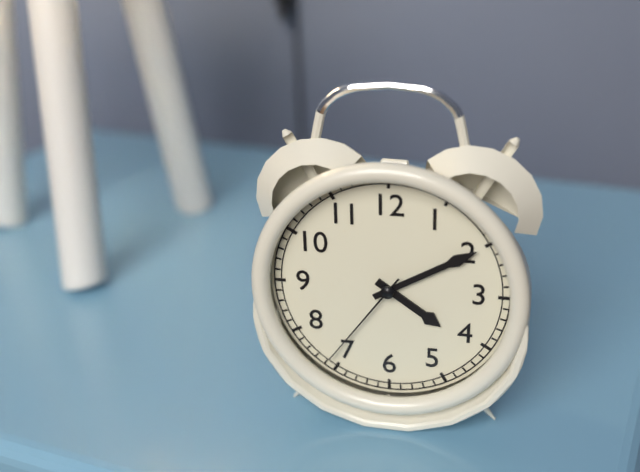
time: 4:10:36
